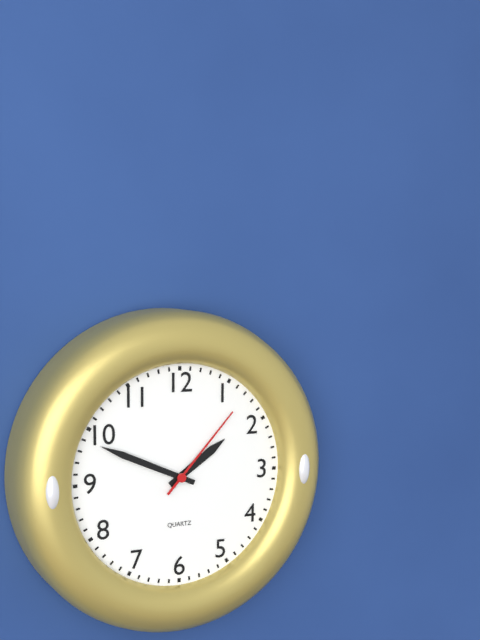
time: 1:49:07
